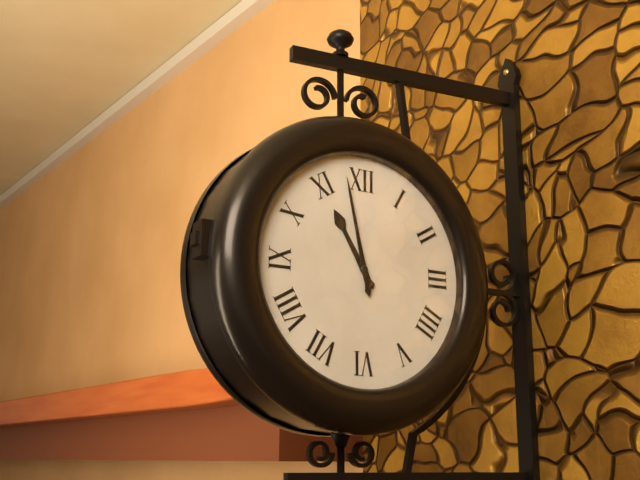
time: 10:58
